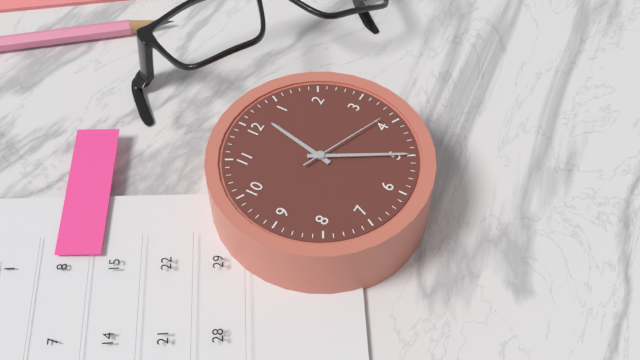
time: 12:25:19
